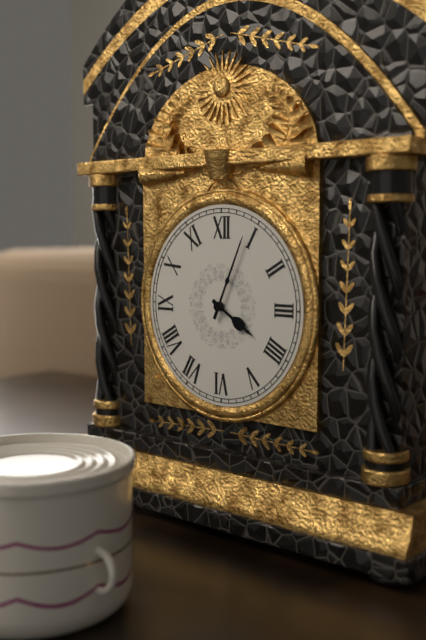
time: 4:04
